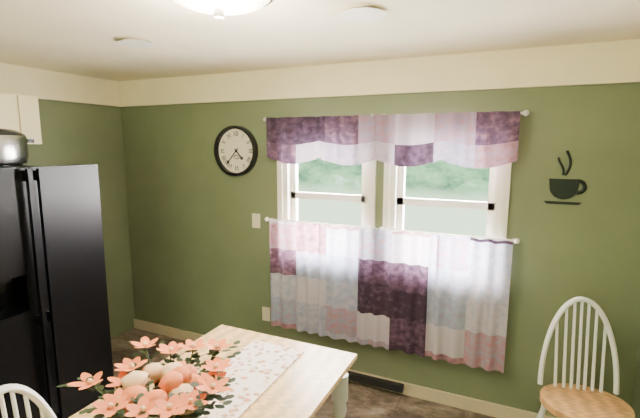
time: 4:37
